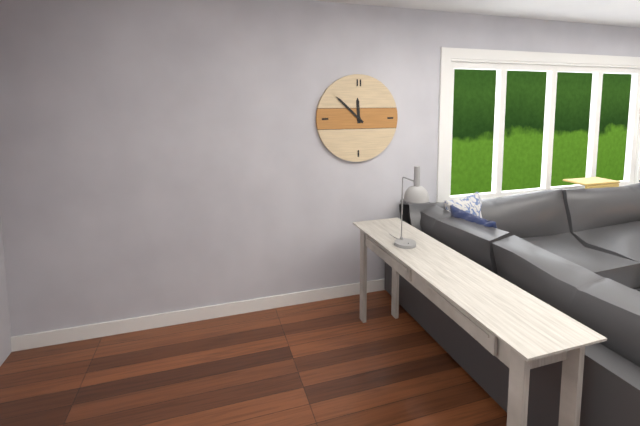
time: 11:52
